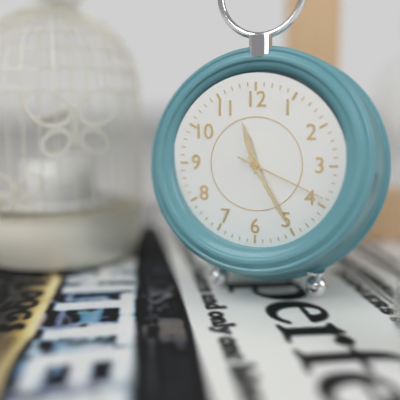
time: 11:25:19
